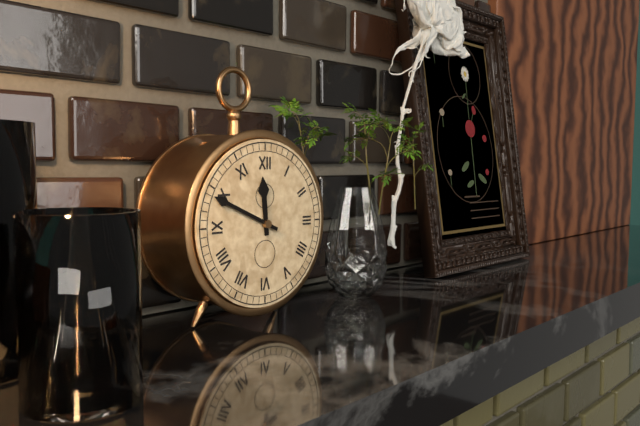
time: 11:49
